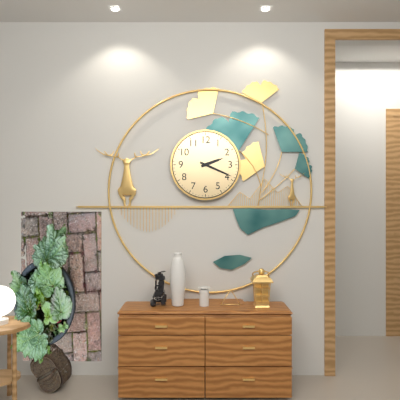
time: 2:19
